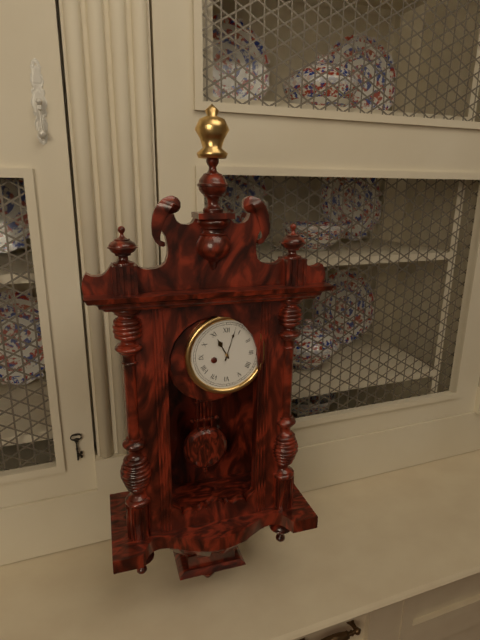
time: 11:03
